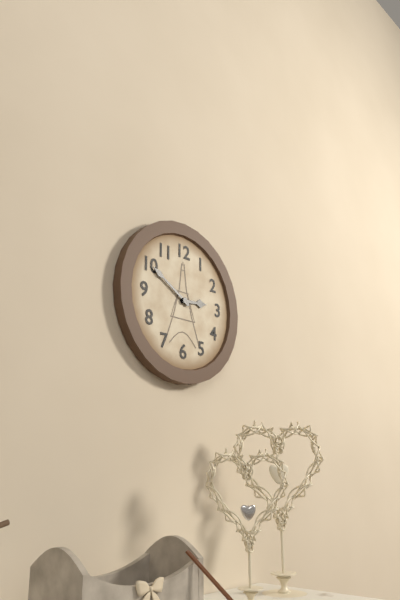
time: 2:50
